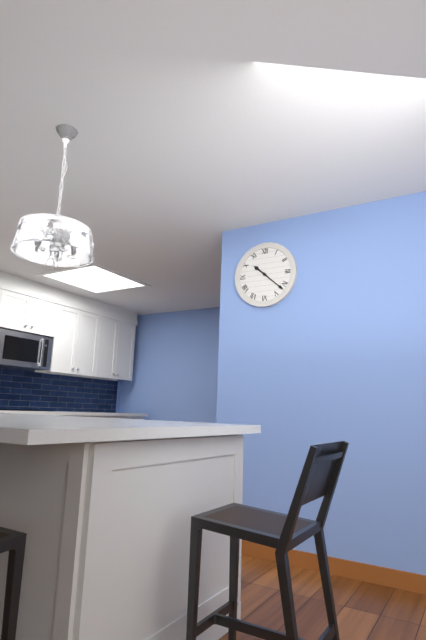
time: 10:22
